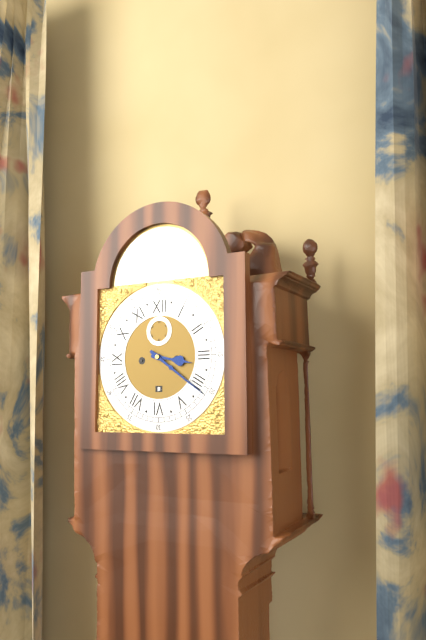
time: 3:21
